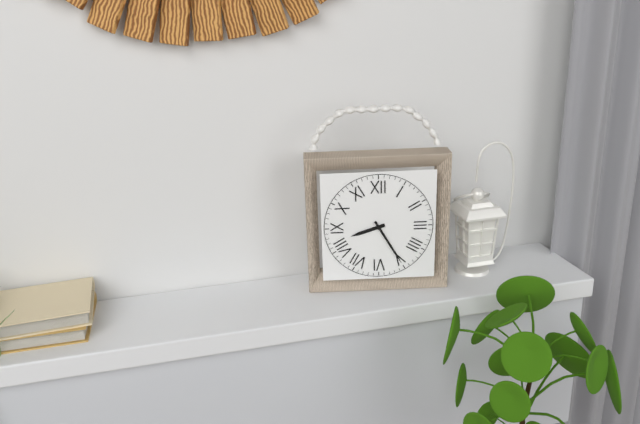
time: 8:25
